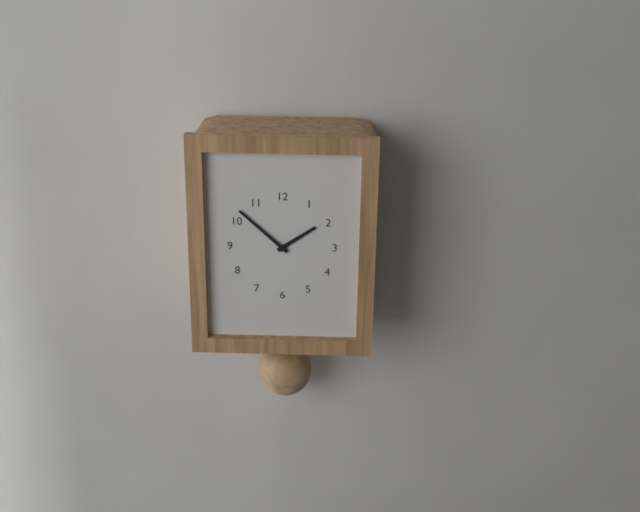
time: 1:52
